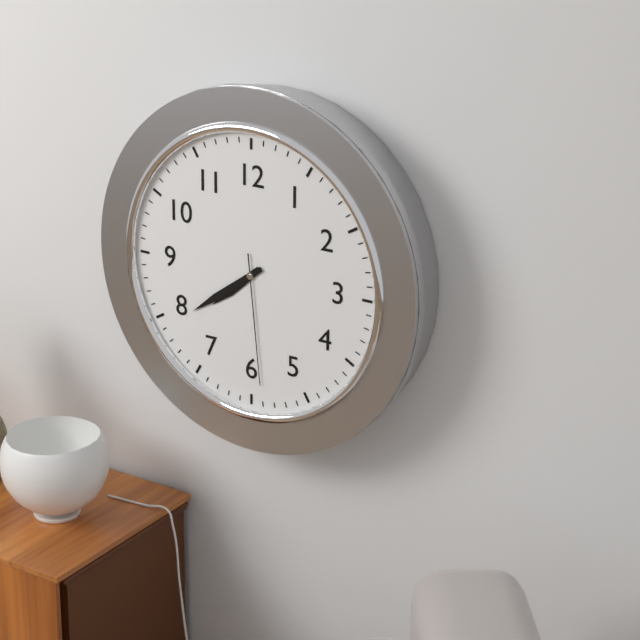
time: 7:39:29
